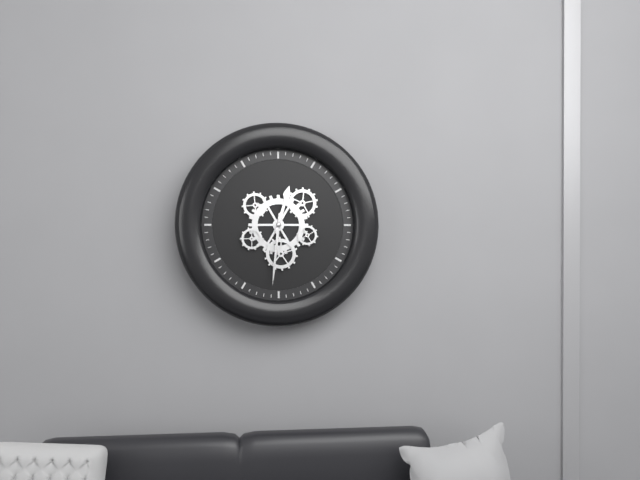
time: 12:31
